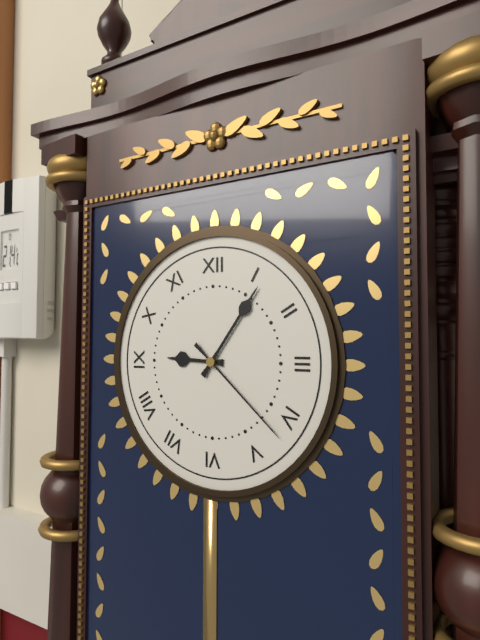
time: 9:06:22
